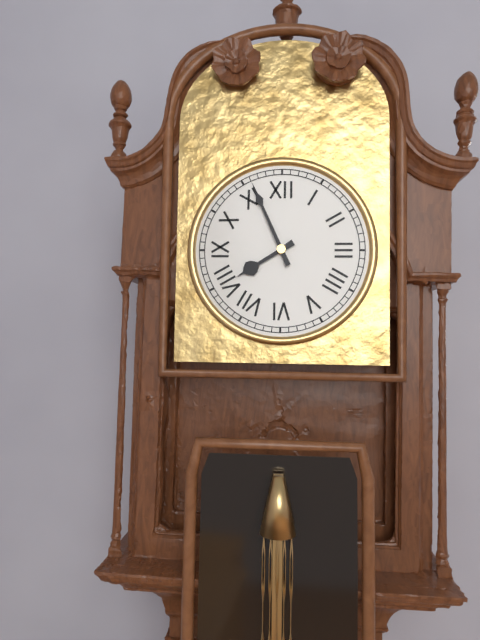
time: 7:56
